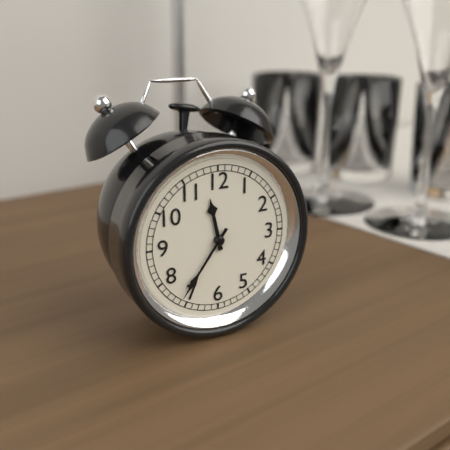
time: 11:36
